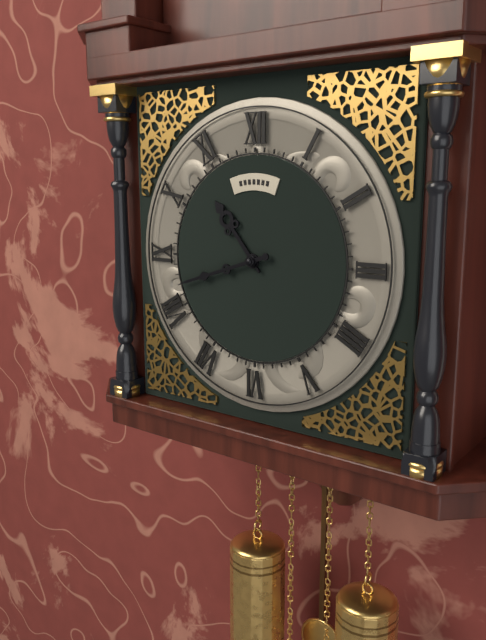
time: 10:42
